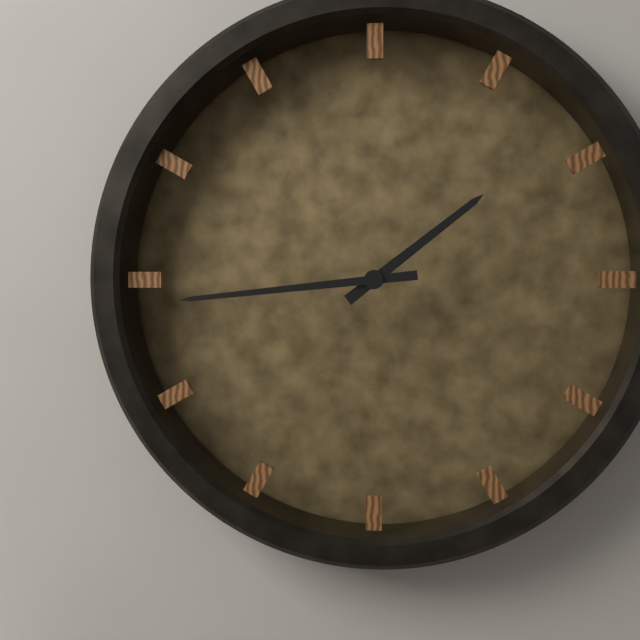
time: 1:44
